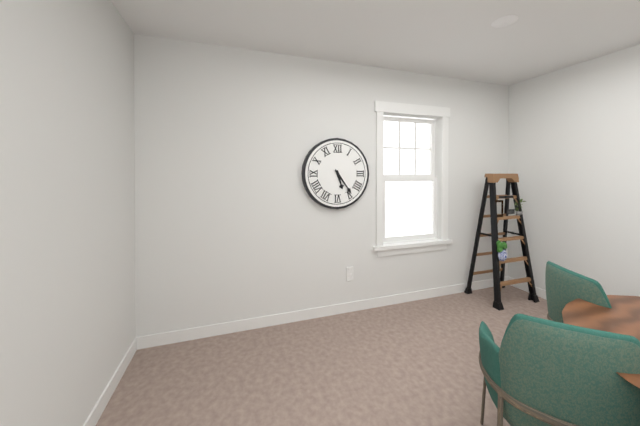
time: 5:24
